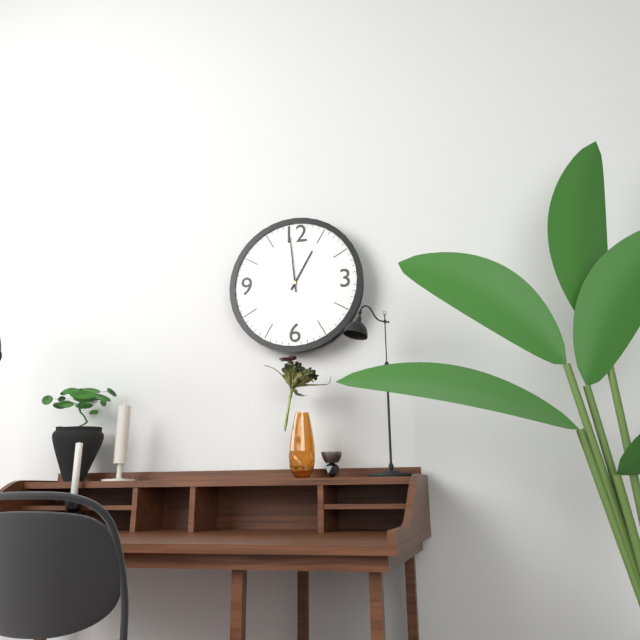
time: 12:59
